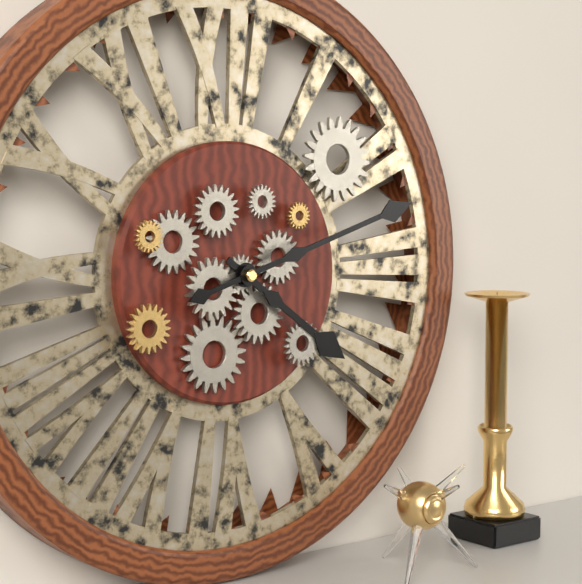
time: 4:12
